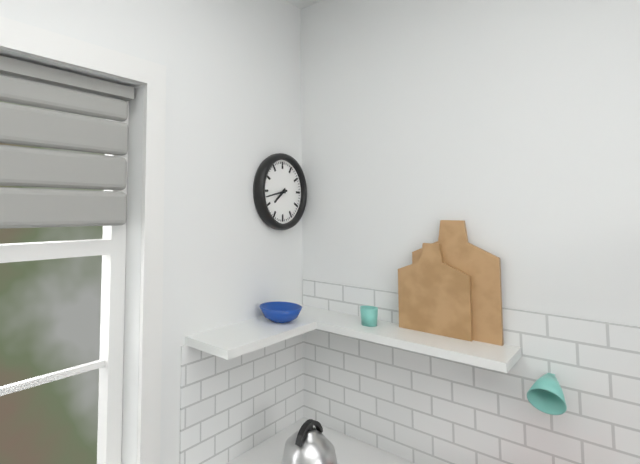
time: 7:43
